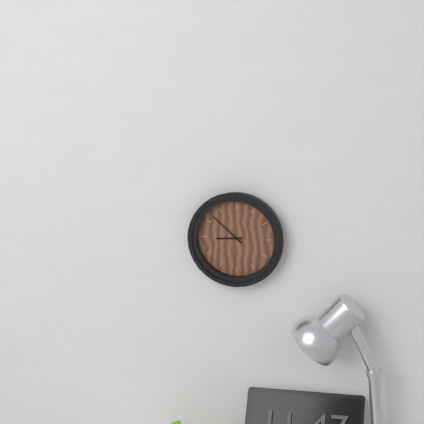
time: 8:52
